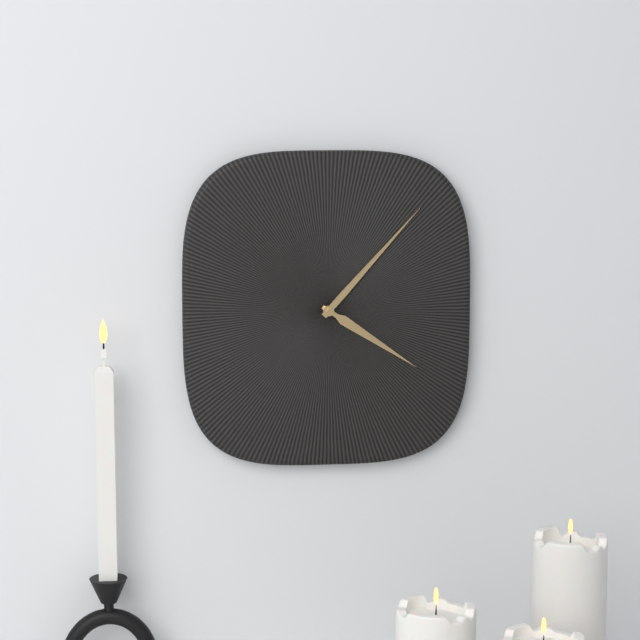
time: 4:07
